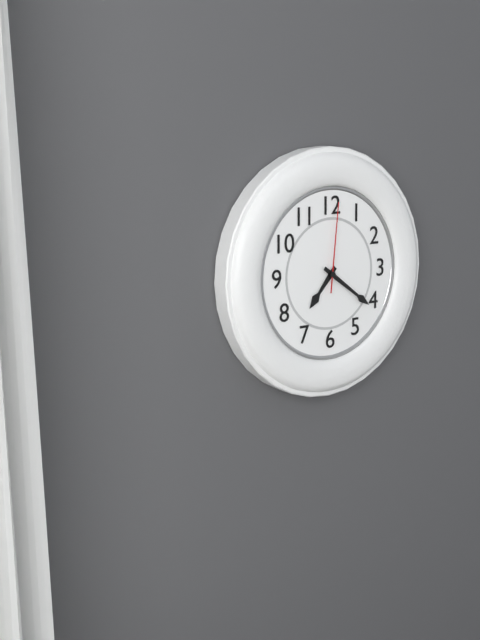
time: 7:21:01
